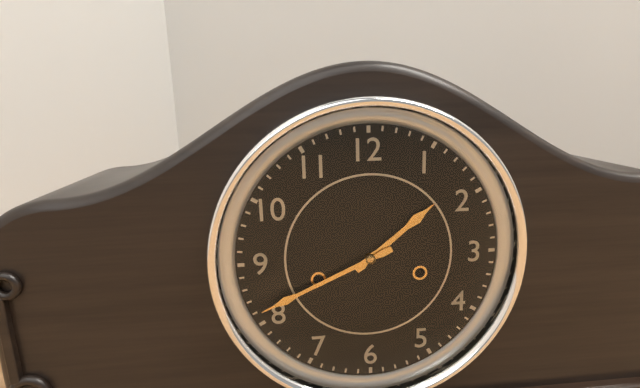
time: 1:41
